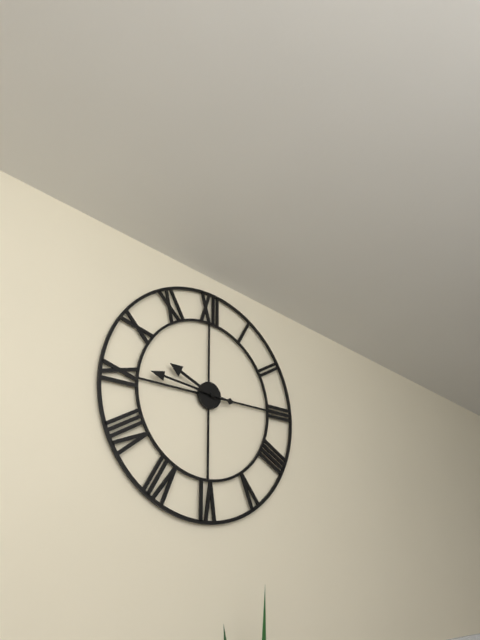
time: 9:46
